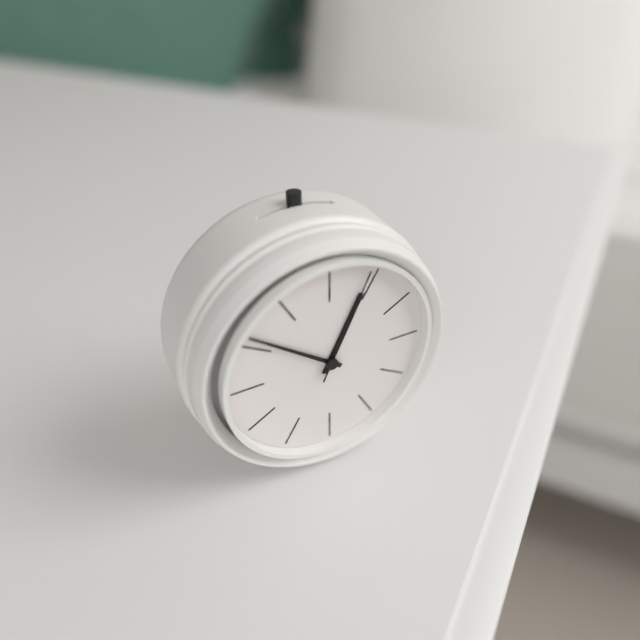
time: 12:51:04
